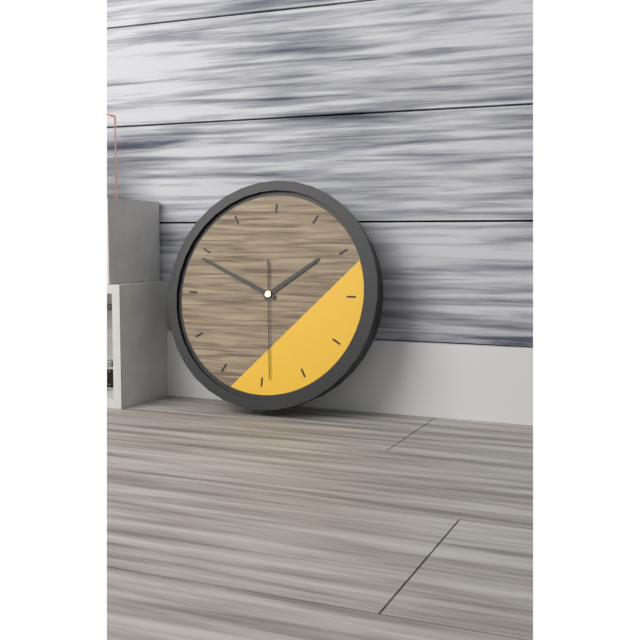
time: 1:49:29
